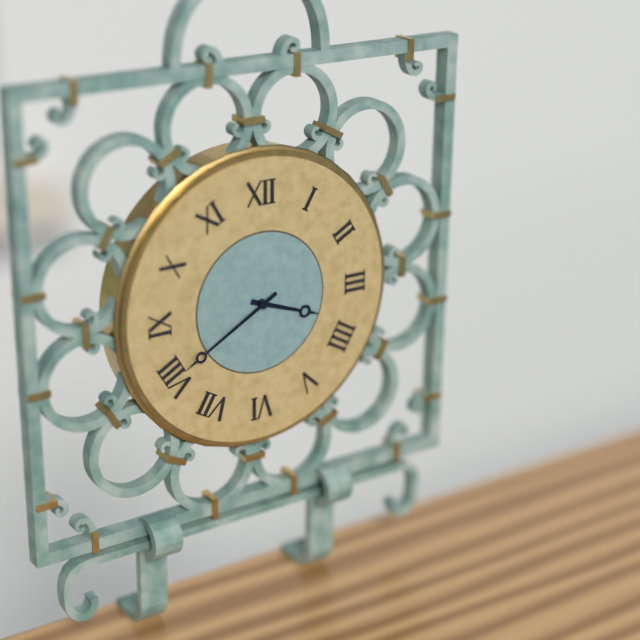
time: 3:40
